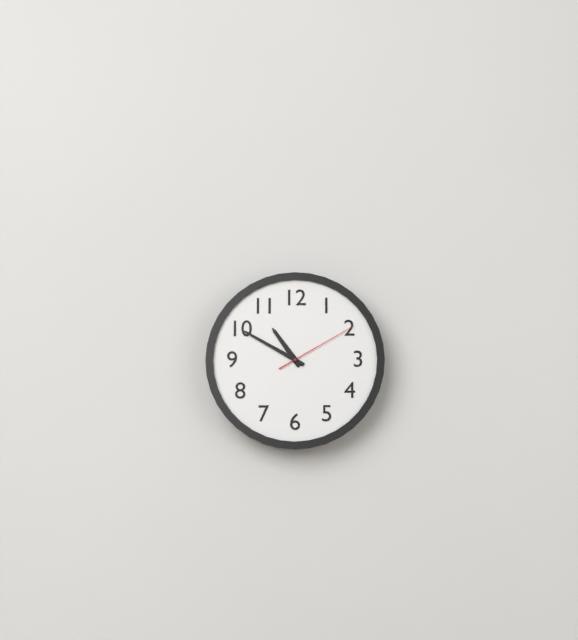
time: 10:50:10
